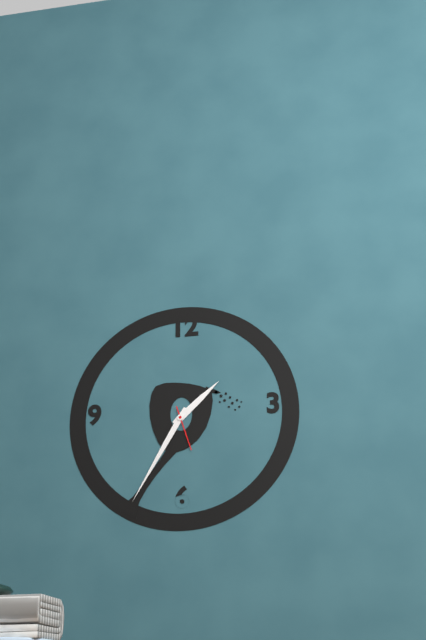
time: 1:35
